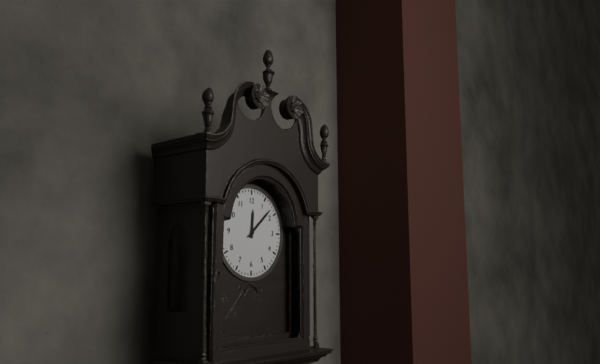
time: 12:08
